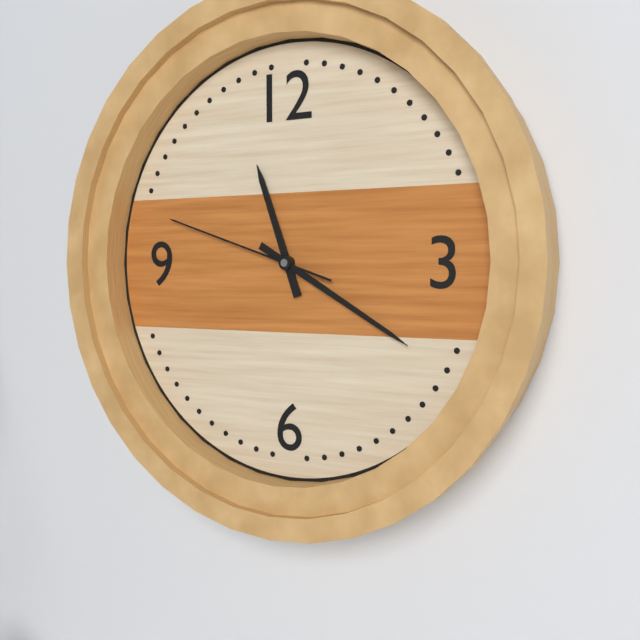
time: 11:20:48
